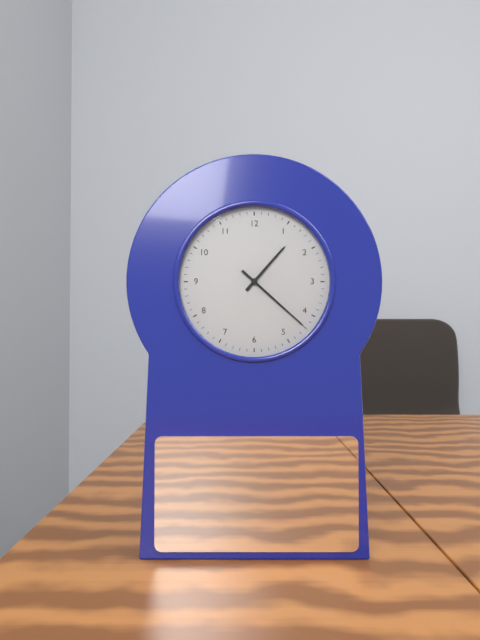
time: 1:22
